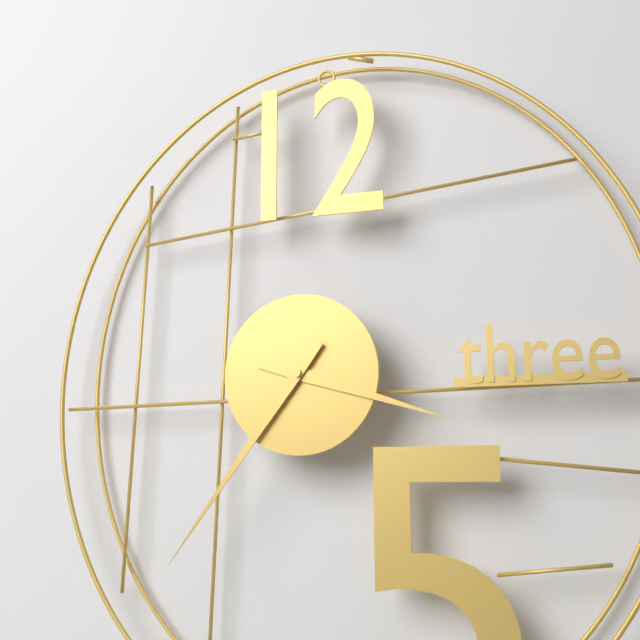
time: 3:36
